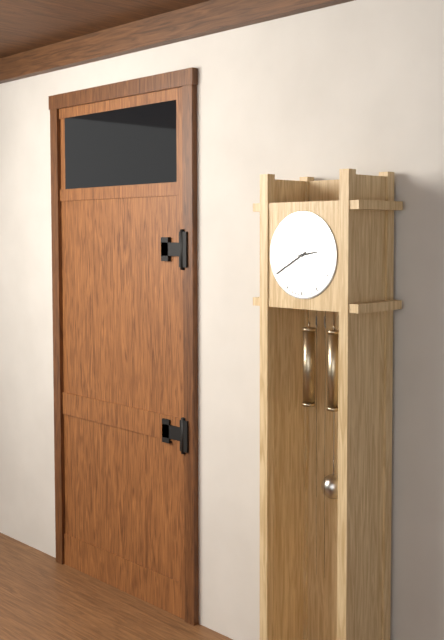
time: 2:40
